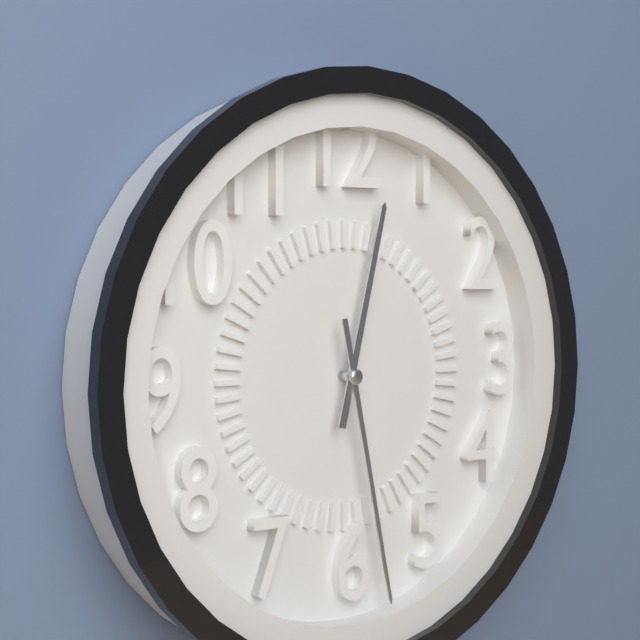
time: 12:28
